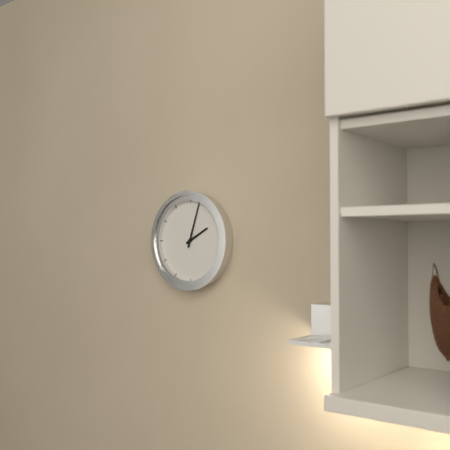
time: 2:03
